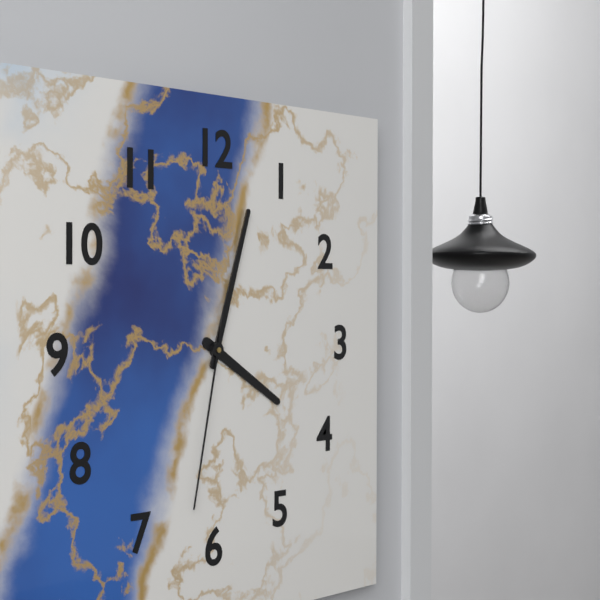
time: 4:03:32
